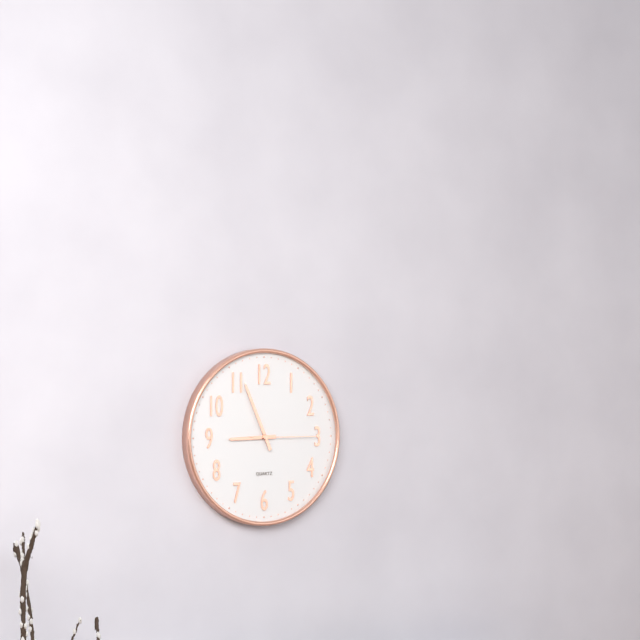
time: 8:56:15
